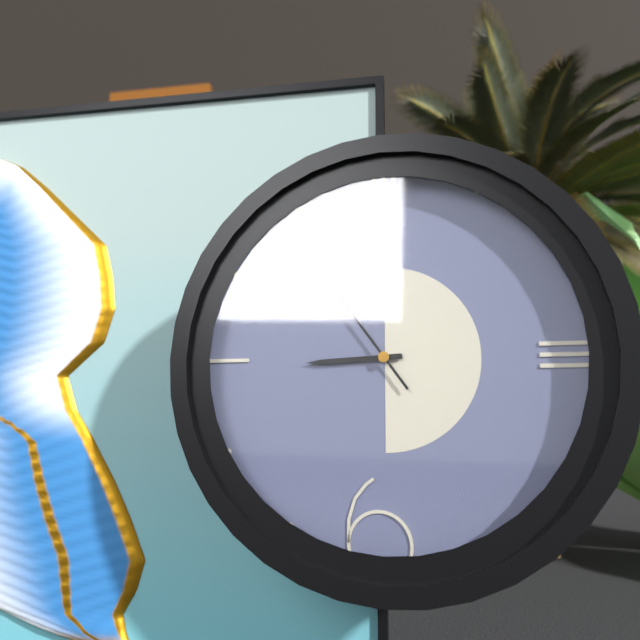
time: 8:54
